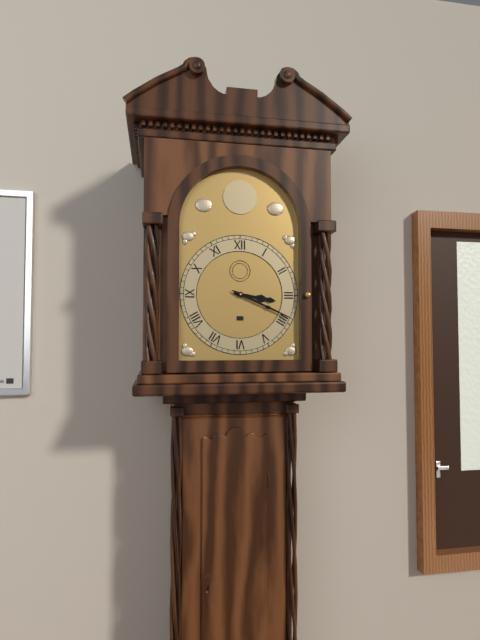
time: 3:19
